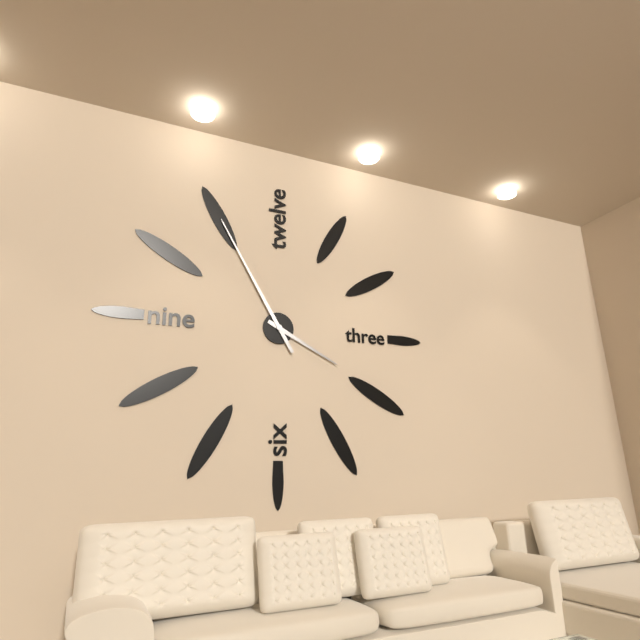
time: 3:55
